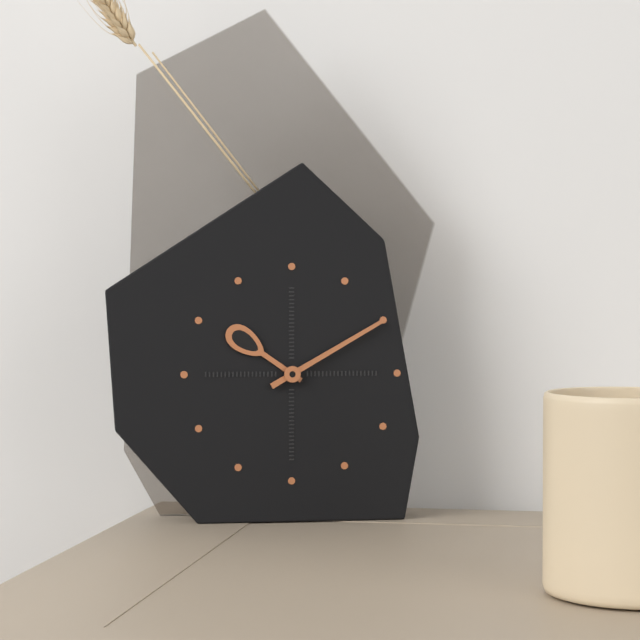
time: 10:10
